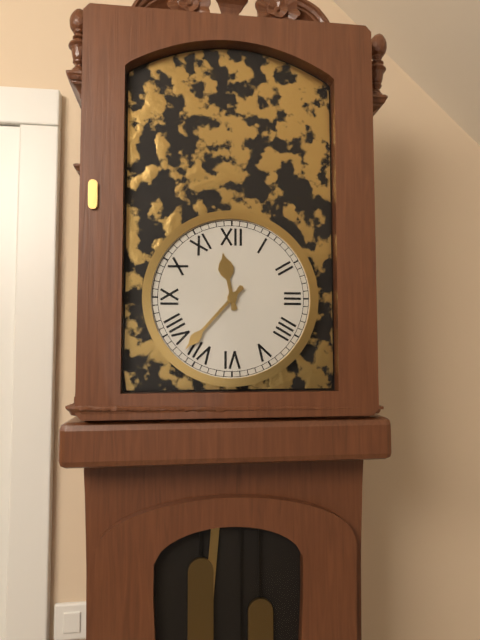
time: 11:37
